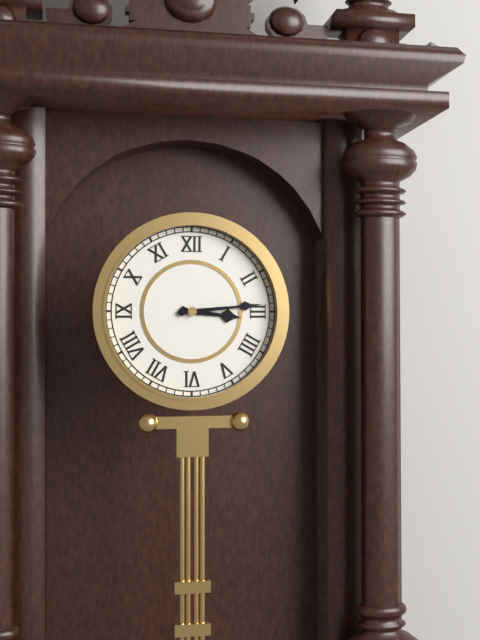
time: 3:14
